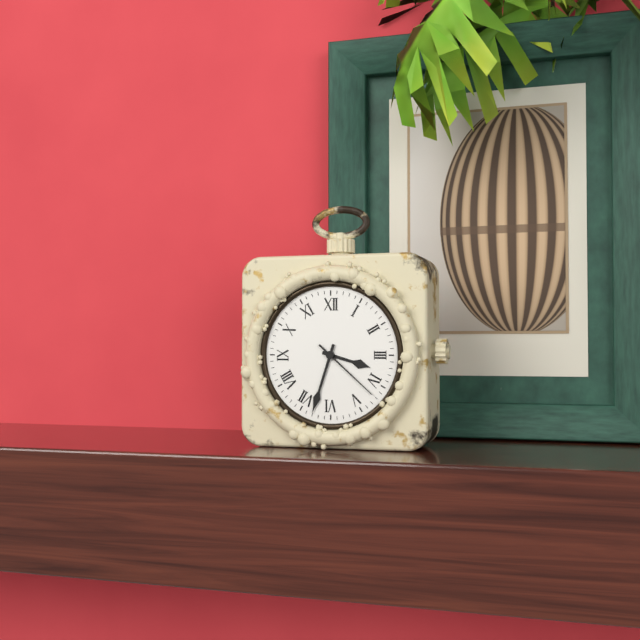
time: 3:33:22
